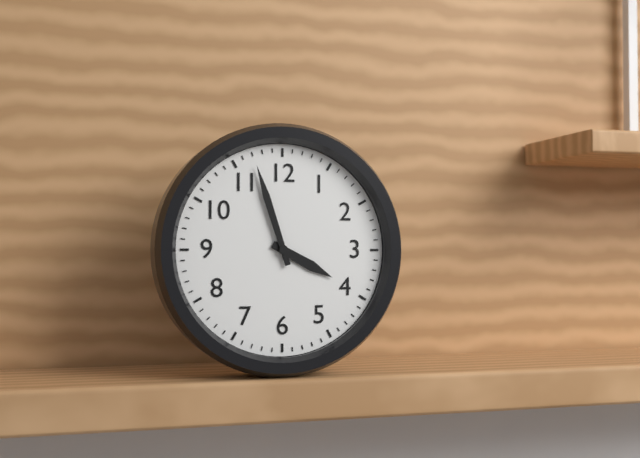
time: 3:57
